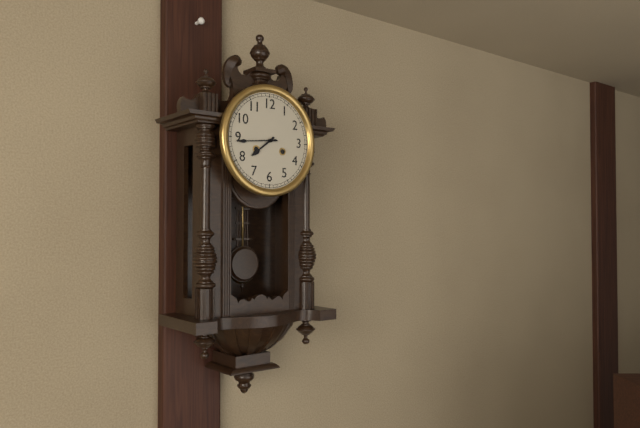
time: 7:44
